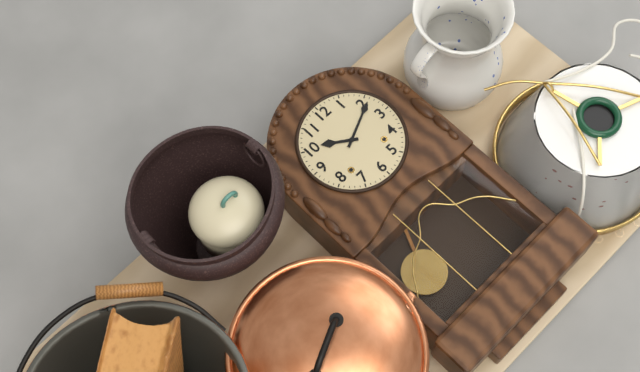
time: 10:11
